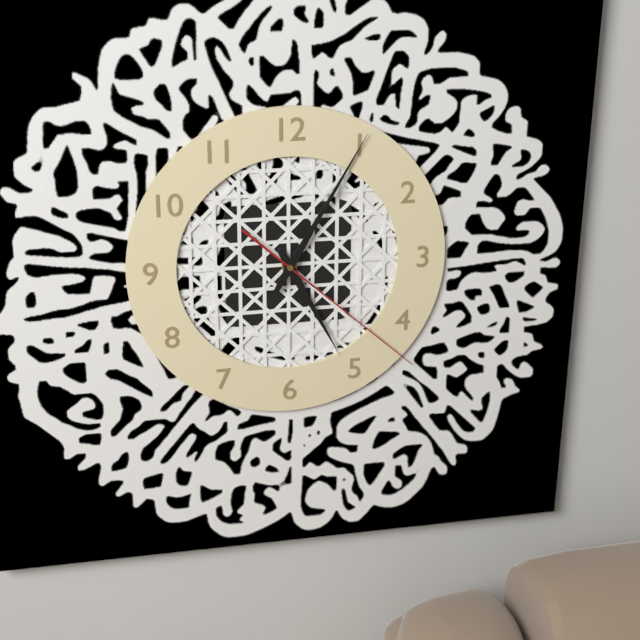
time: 5:05:22
